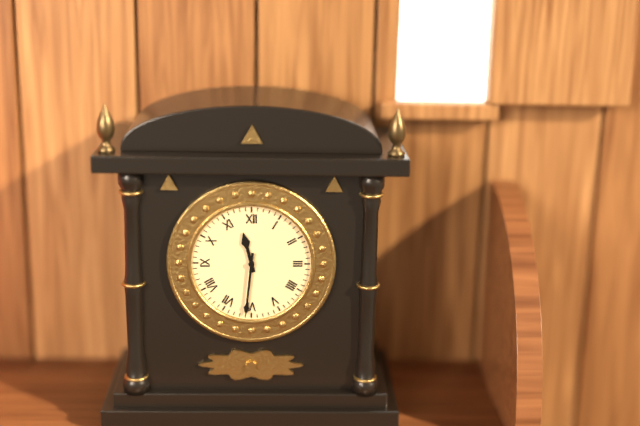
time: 11:31
